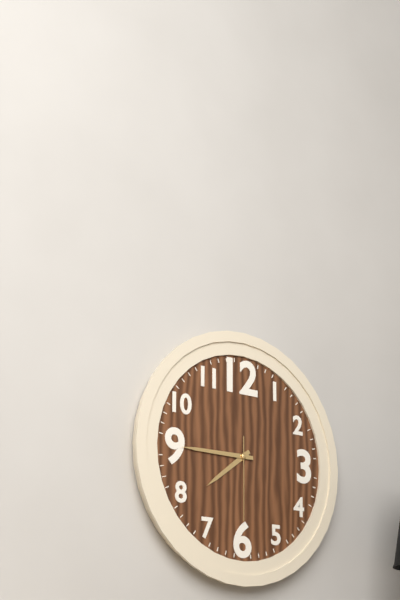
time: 7:45:30
